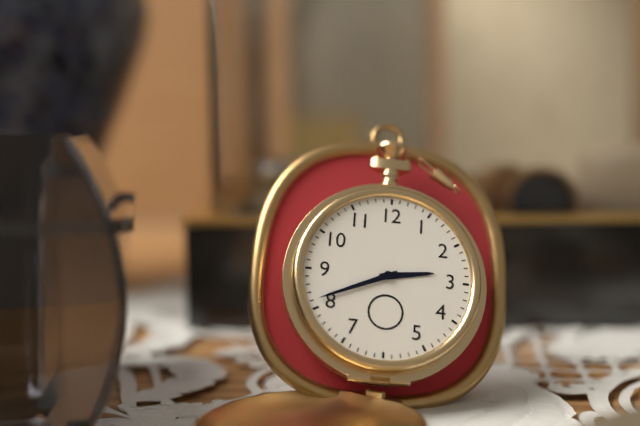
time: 2:41
